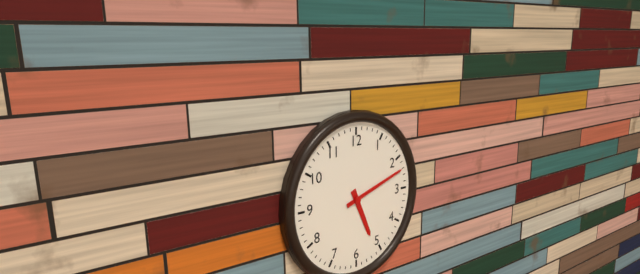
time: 5:12
